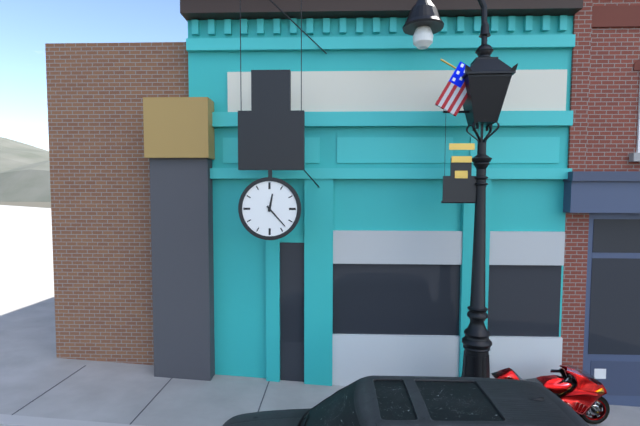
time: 12:23
